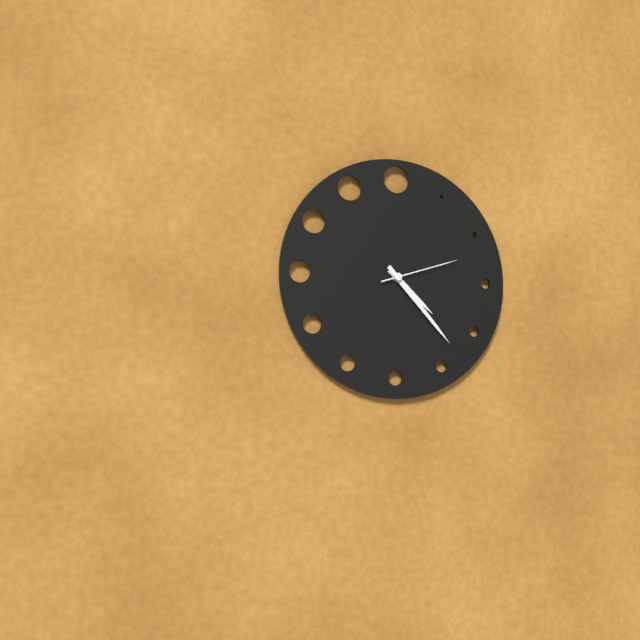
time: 4:23:12
